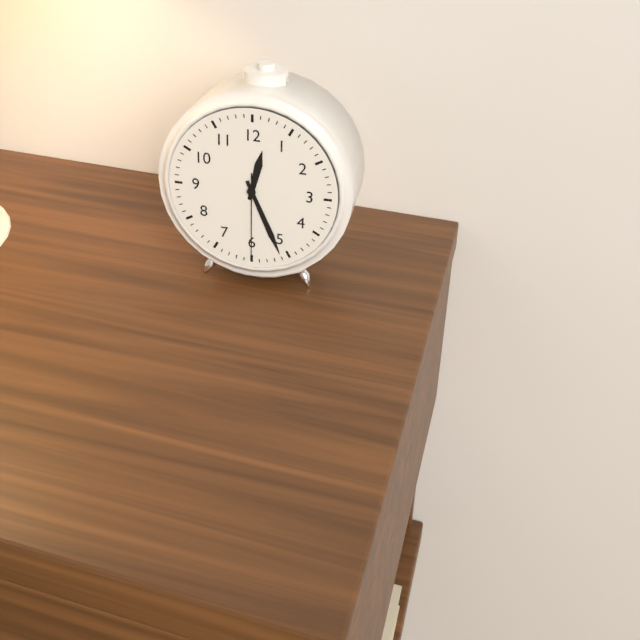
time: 12:26:30
